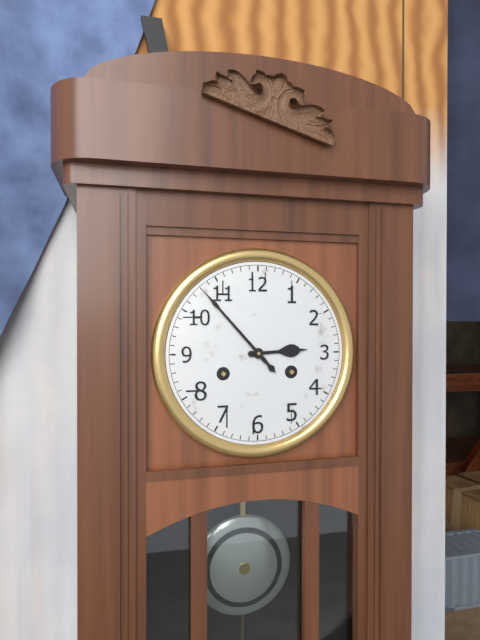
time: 2:53
